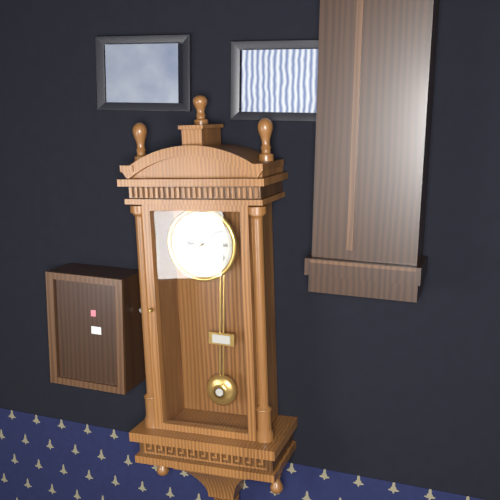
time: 9:09
